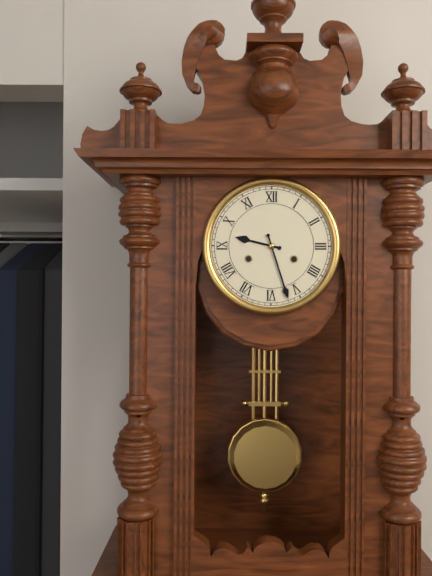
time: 9:27
